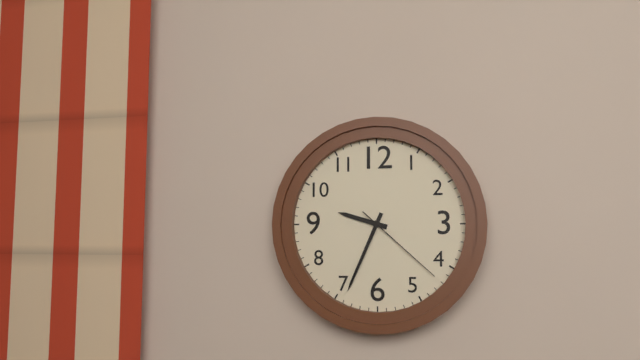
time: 9:34:22
